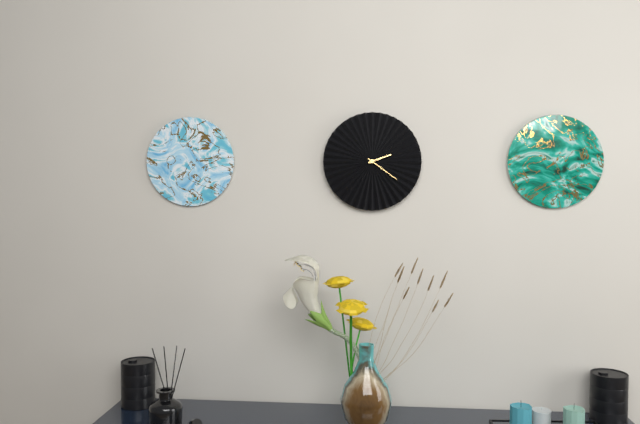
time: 2:21
